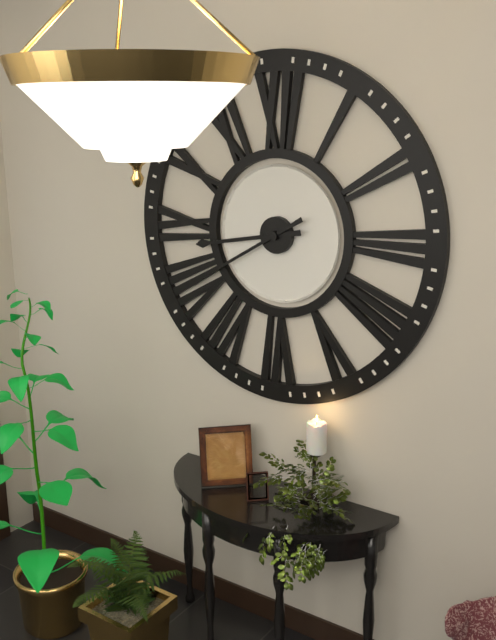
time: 8:40
